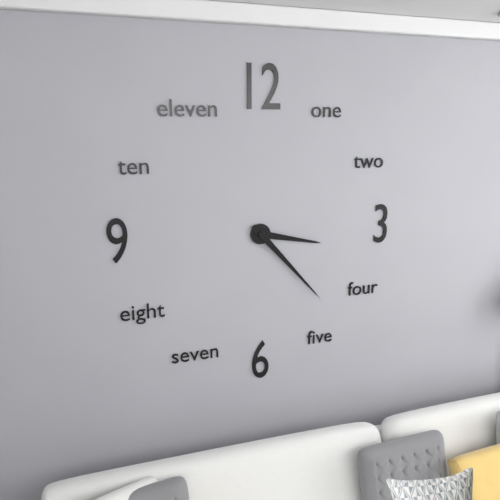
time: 3:23
